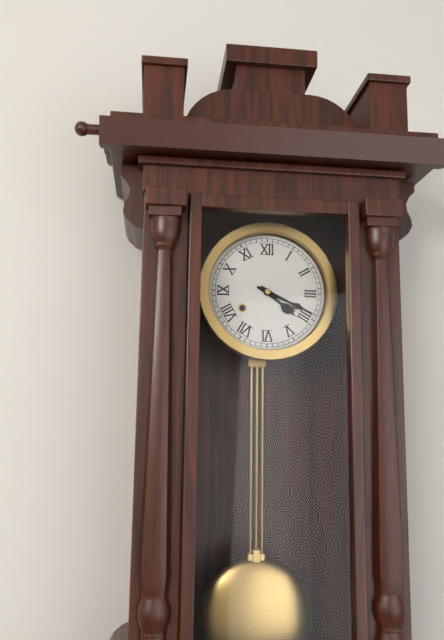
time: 4:19
